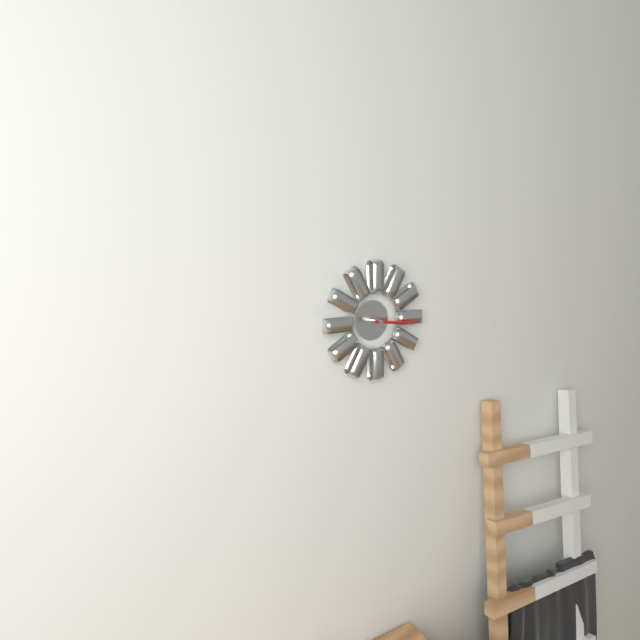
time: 3:16
